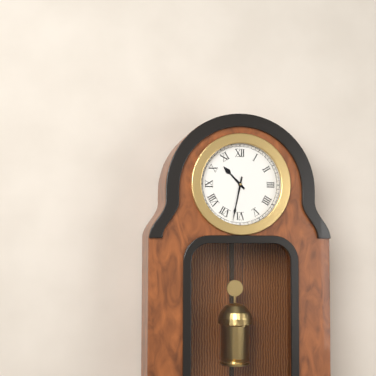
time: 10:32
